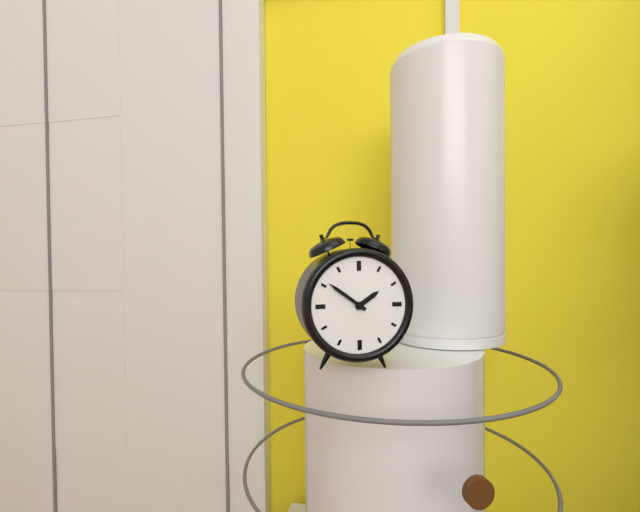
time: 1:51
